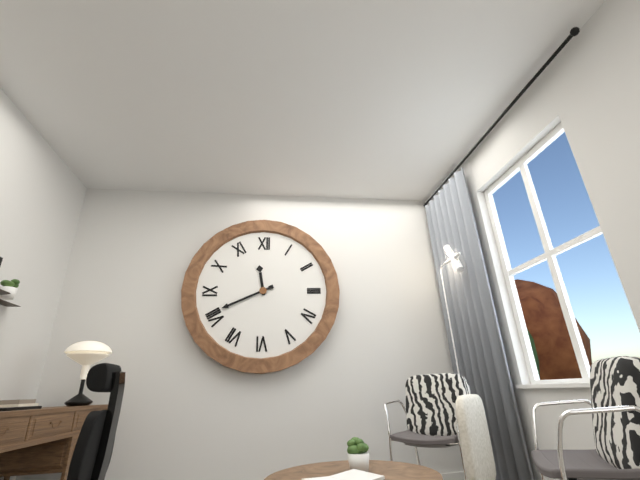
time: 11:41
